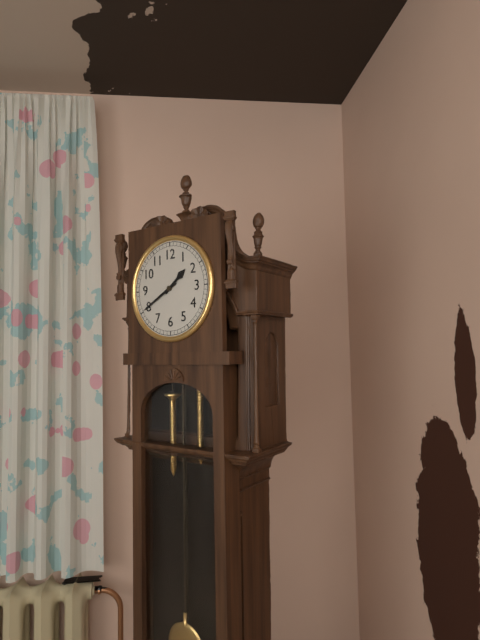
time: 1:40
